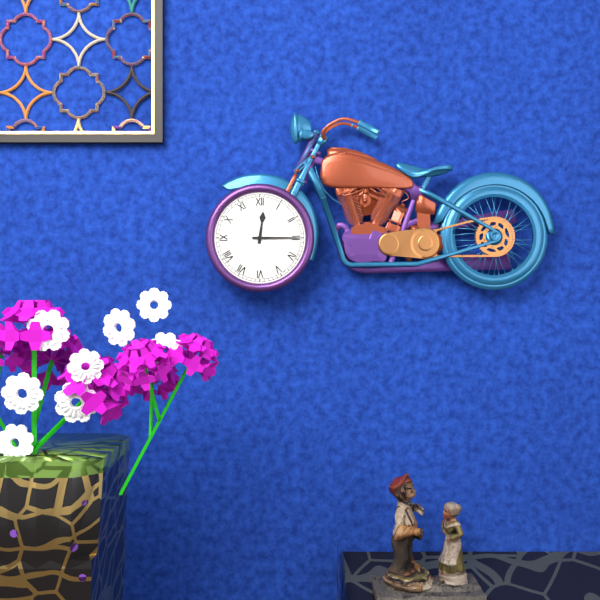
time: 12:15
